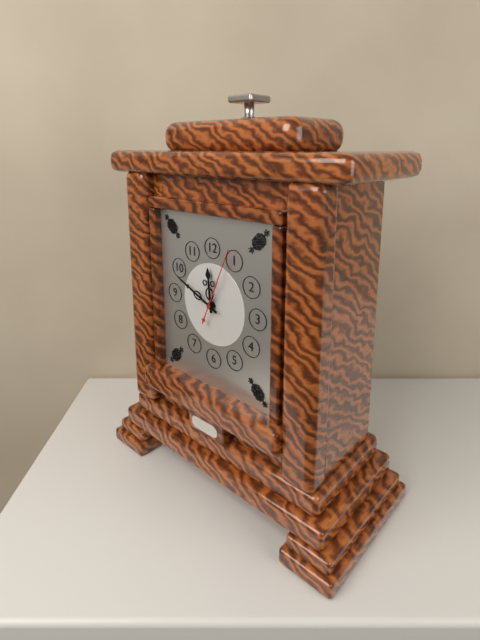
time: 11:49:04
